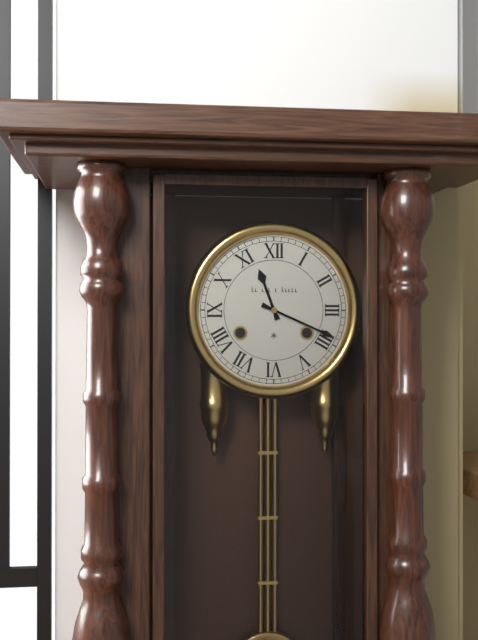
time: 11:19
